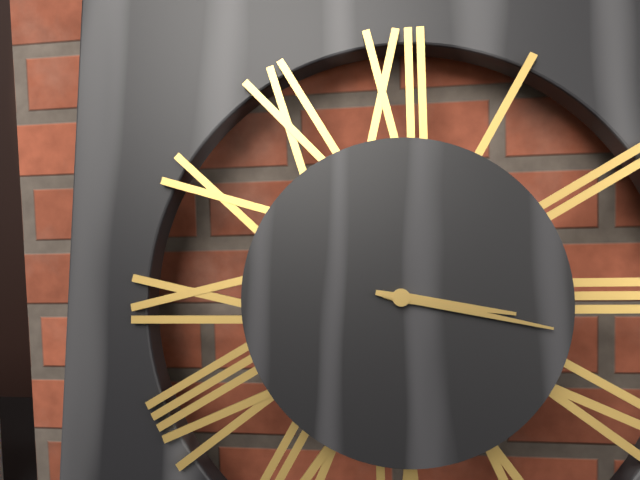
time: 3:17
